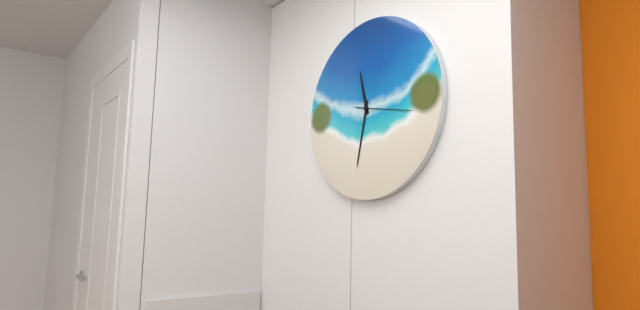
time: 11:32:17
